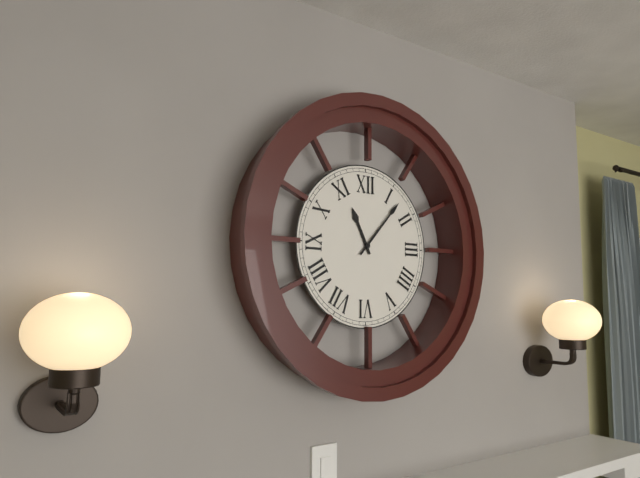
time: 11:07
